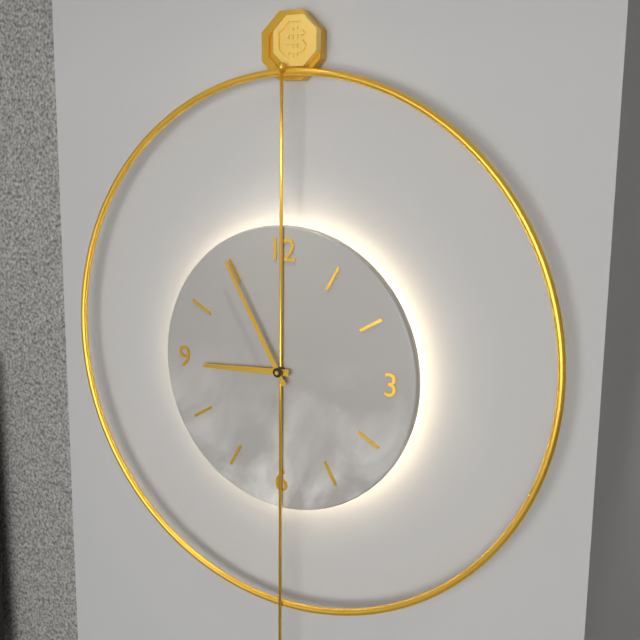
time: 8:55
